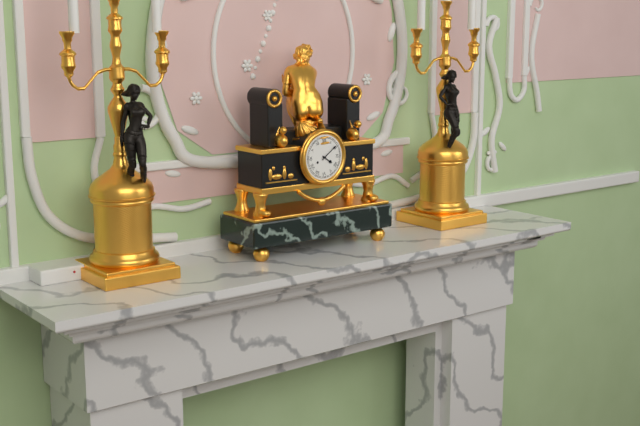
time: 4:09
